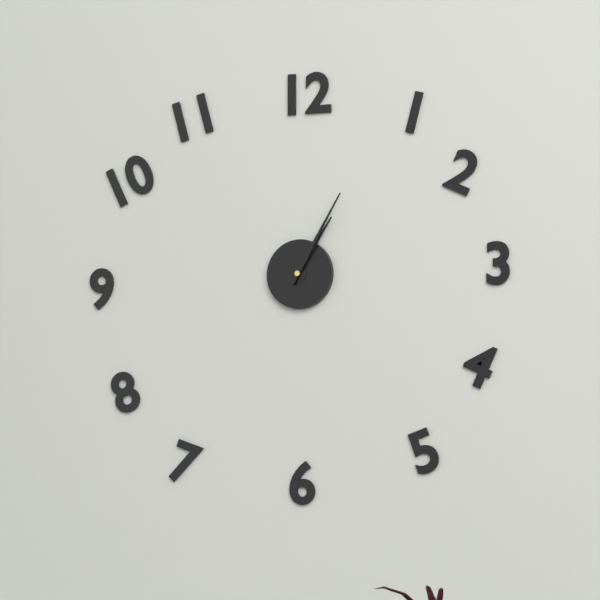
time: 1:05
